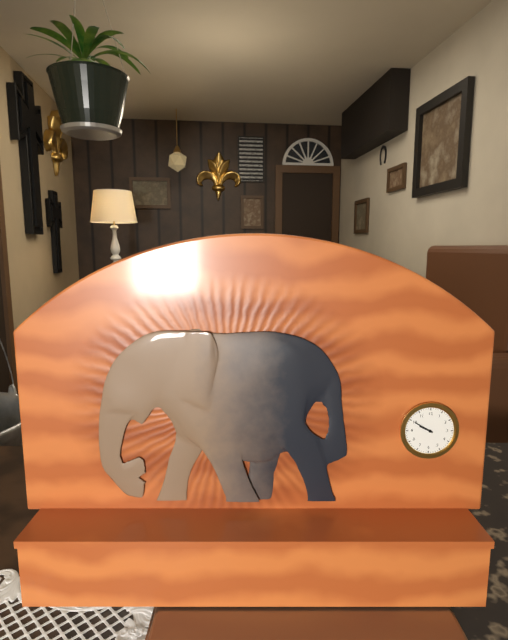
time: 9:50
